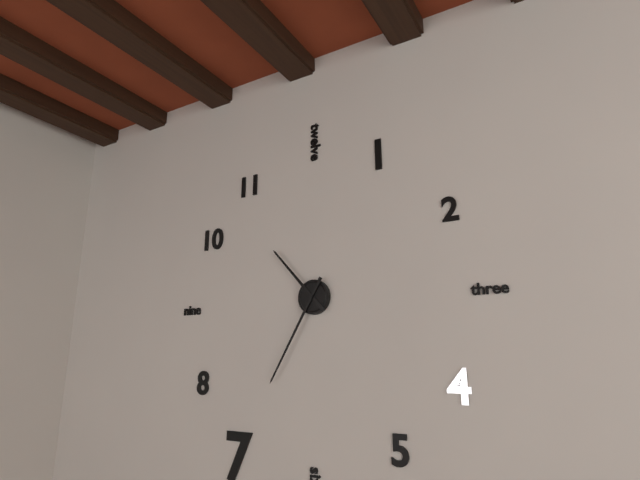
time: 10:35
